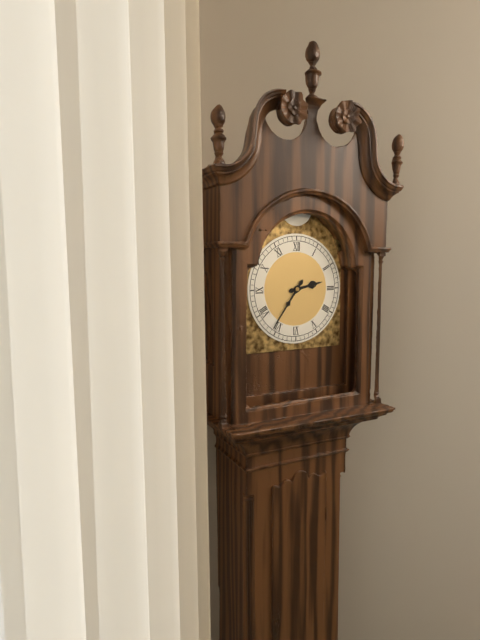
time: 2:36
